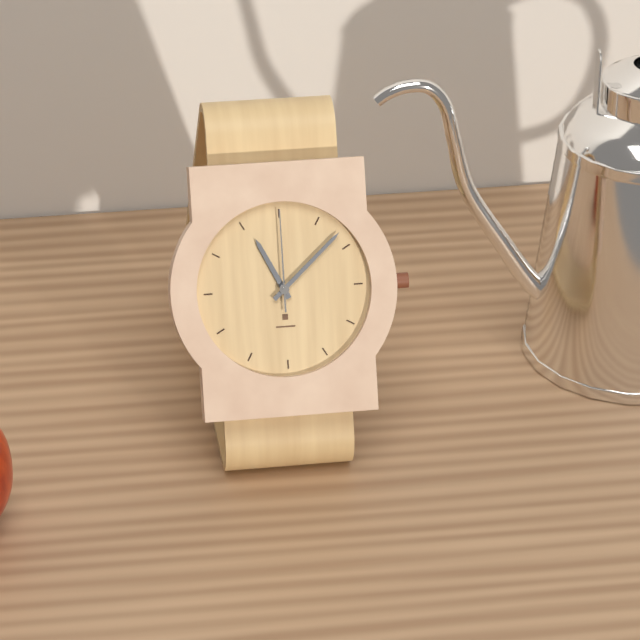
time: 11:08:00
